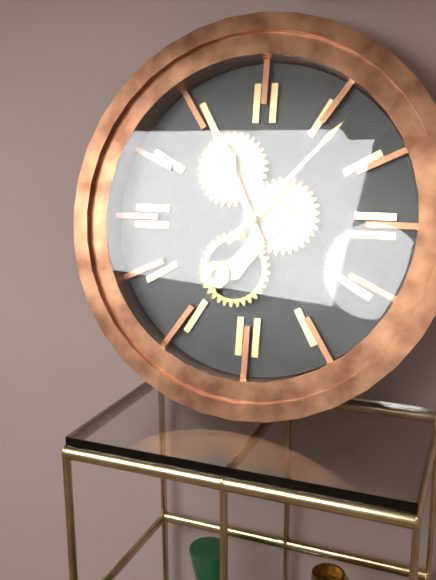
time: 11:07
